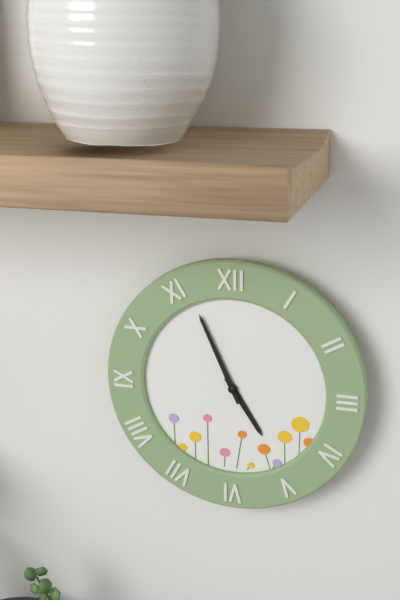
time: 4:56
